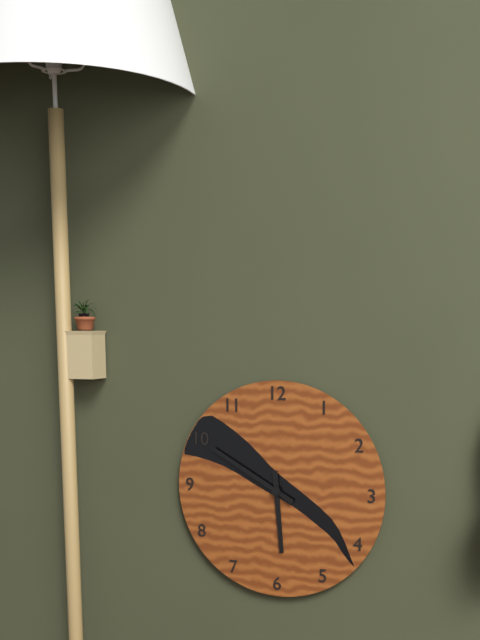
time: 5:50
